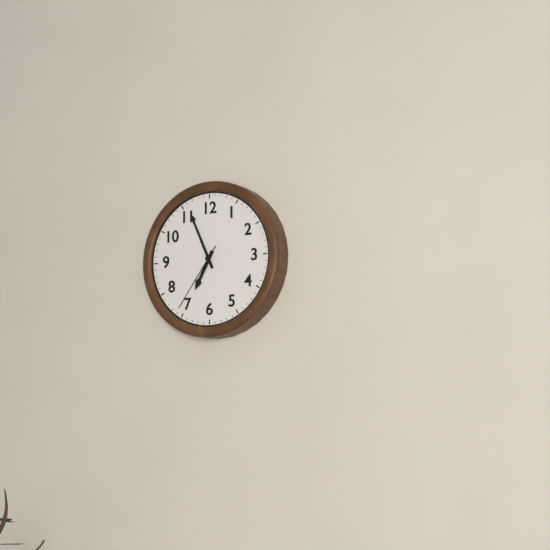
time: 6:56:36
